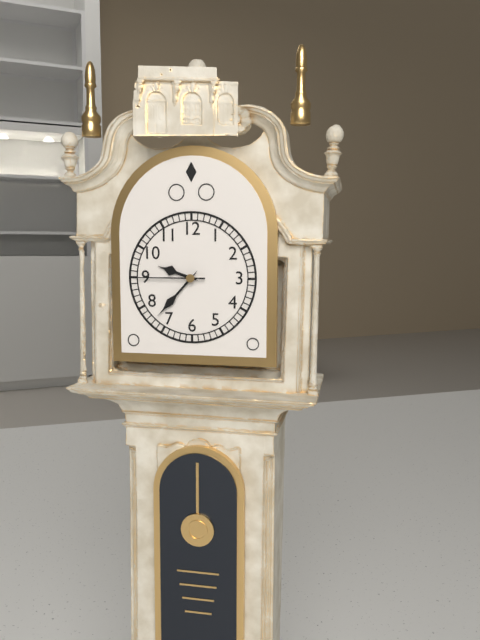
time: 9:37:45
